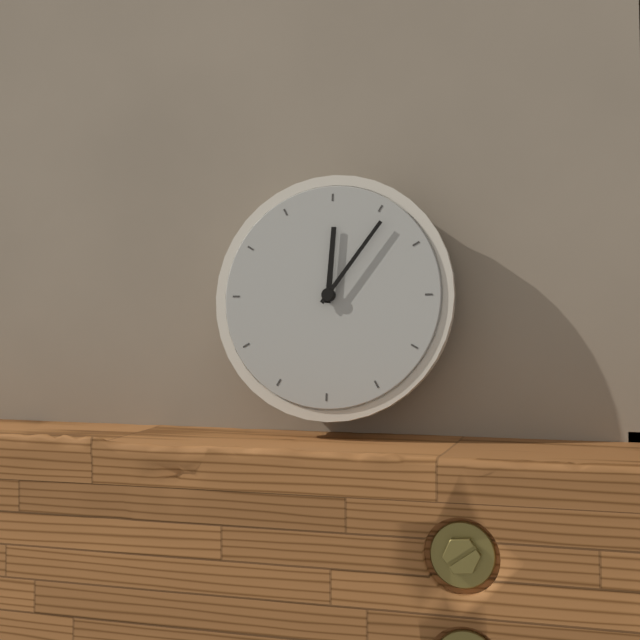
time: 12:06
